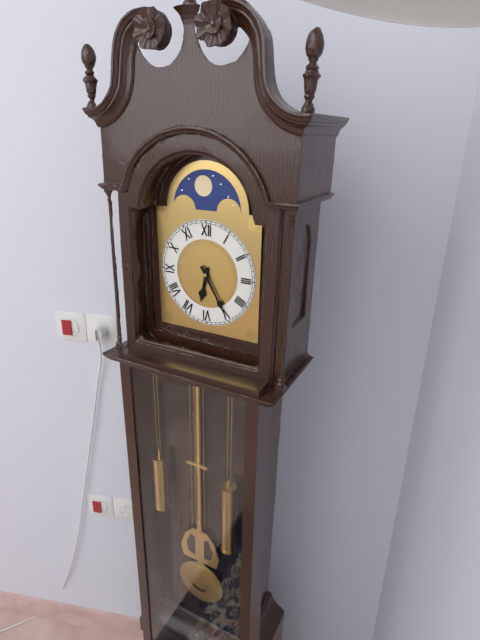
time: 6:25
